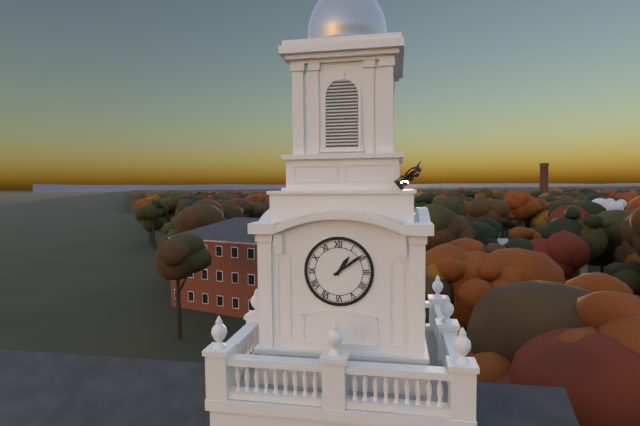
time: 1:09
